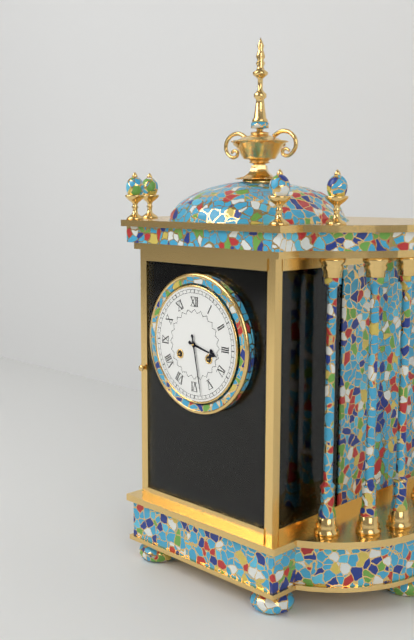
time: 3:28
